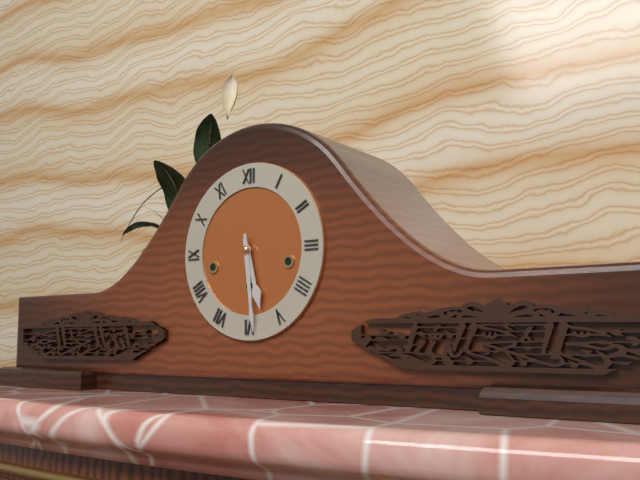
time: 5:29
